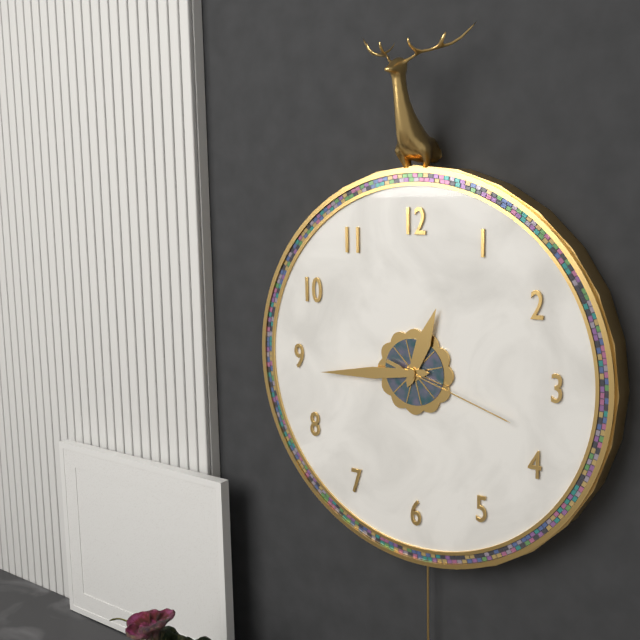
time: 12:44:18
